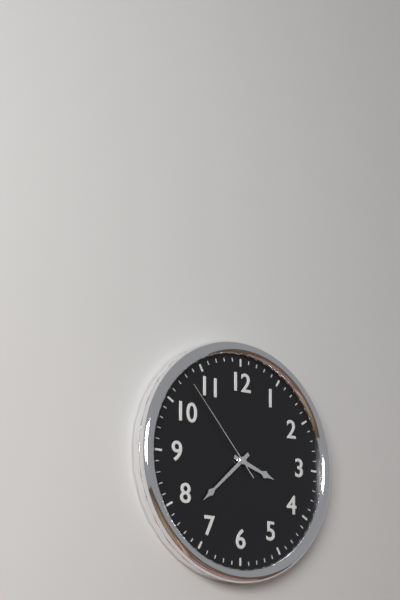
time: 3:38:53
